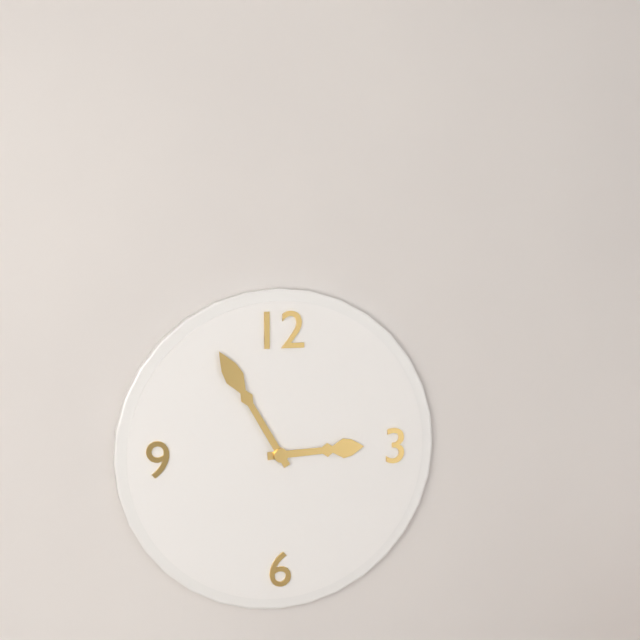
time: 2:55
